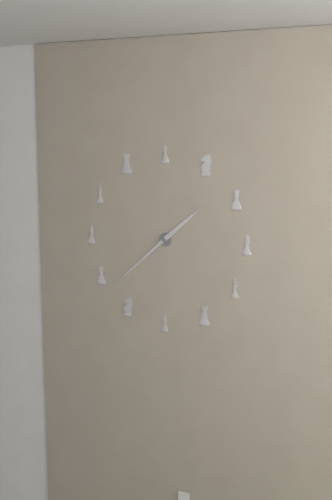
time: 1:38
